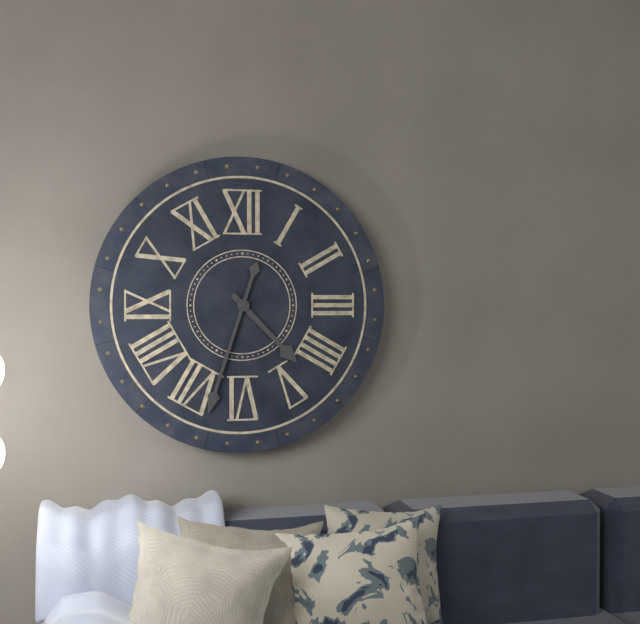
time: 4:33
